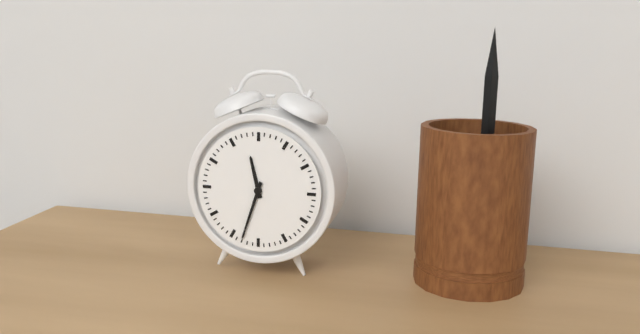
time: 11:33
